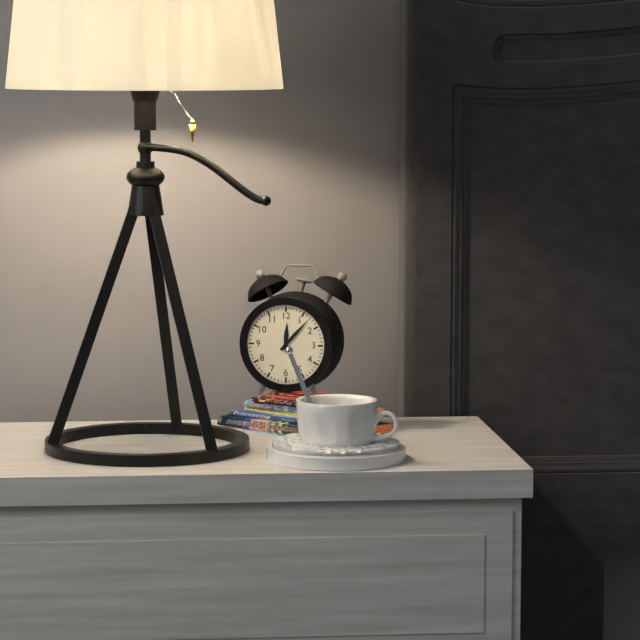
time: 12:07
